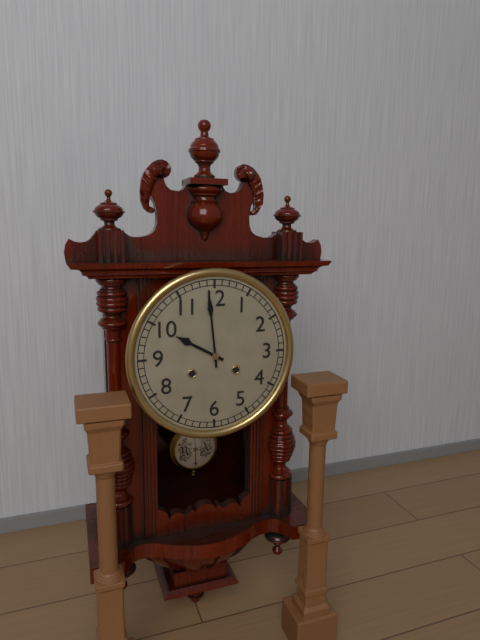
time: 9:59
